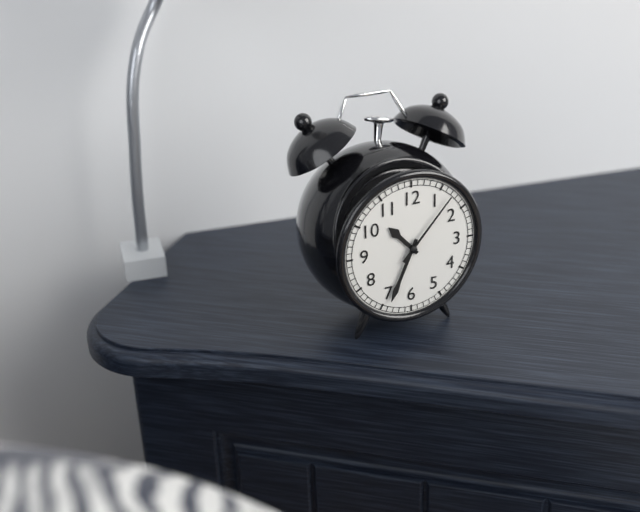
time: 10:34:07
